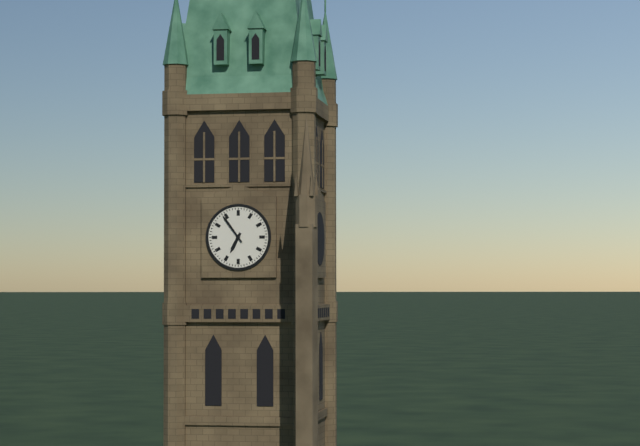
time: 6:54
